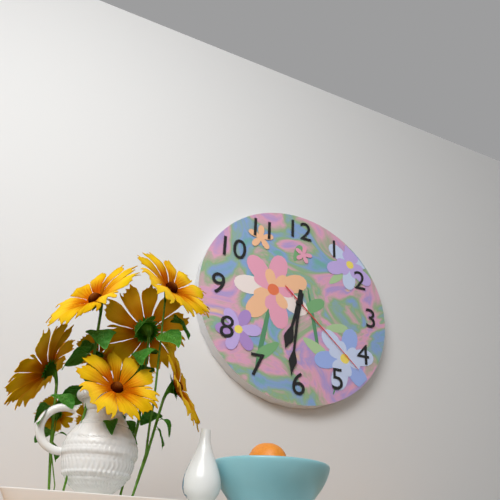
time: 6:31:22
